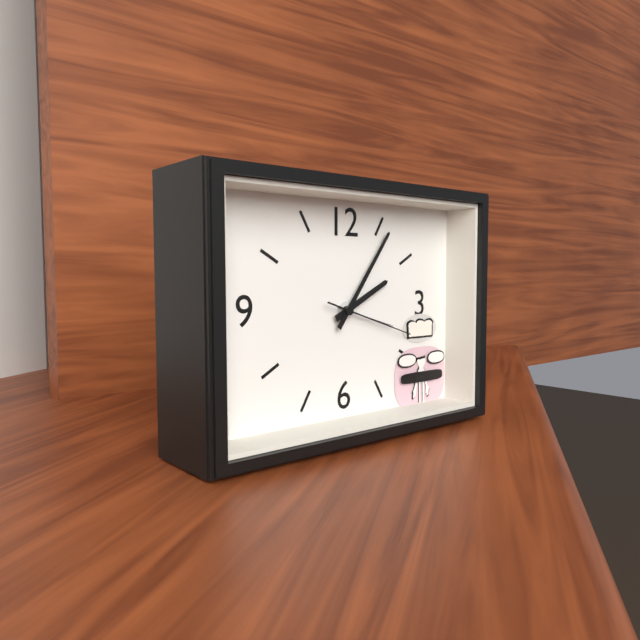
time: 2:06:18
